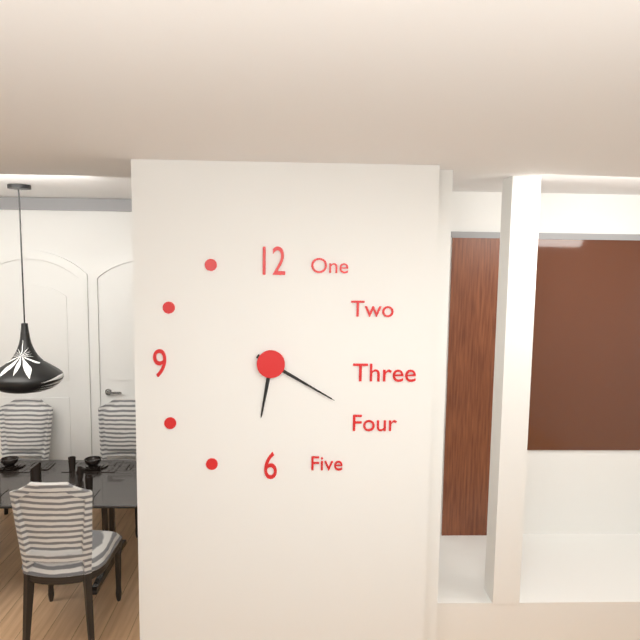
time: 6:20
